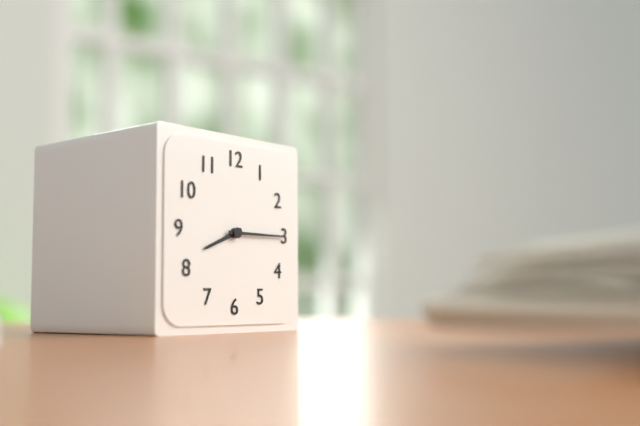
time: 8:15
